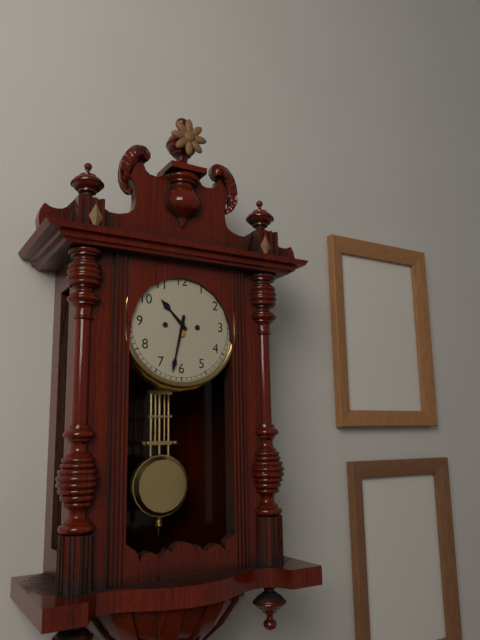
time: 10:32
